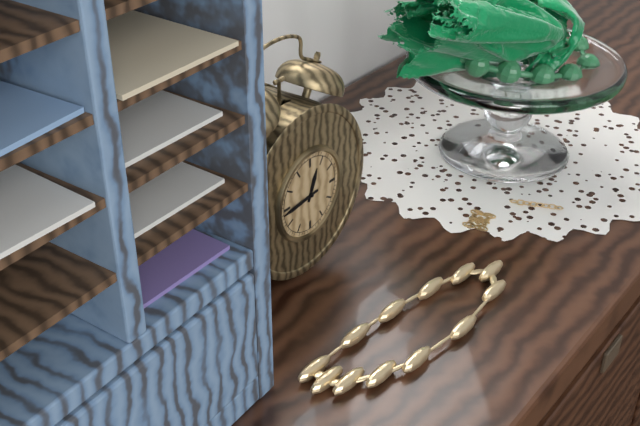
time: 12:44
